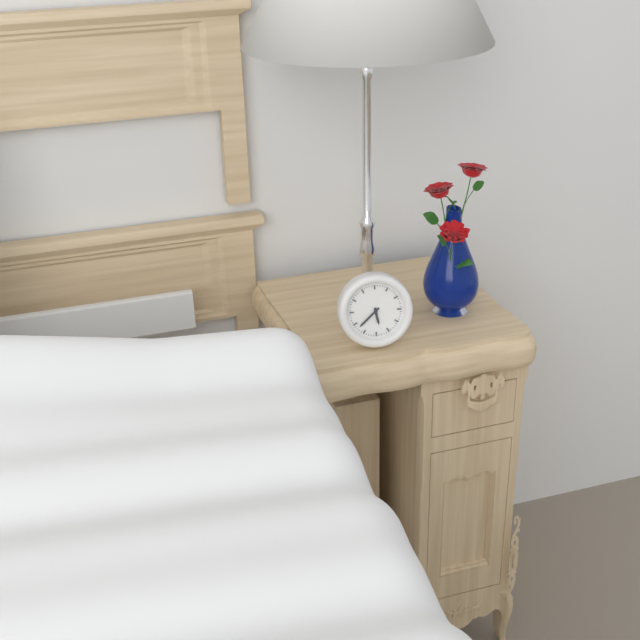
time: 5:38
